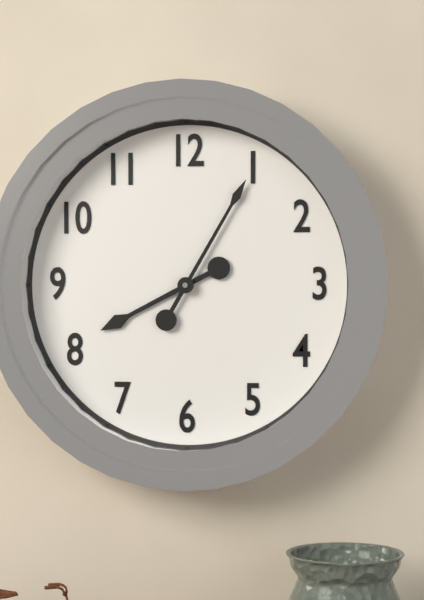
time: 8:05
